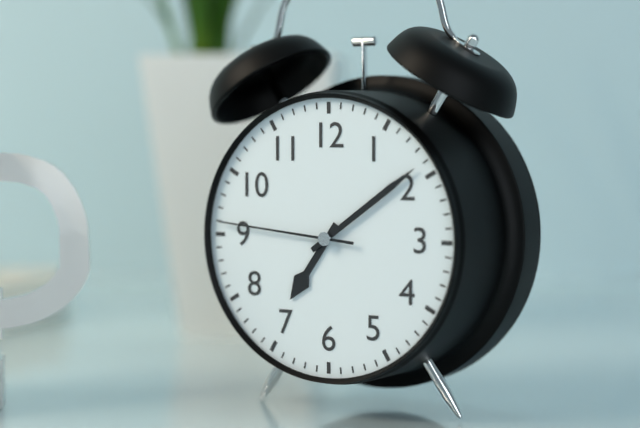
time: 7:09:46
